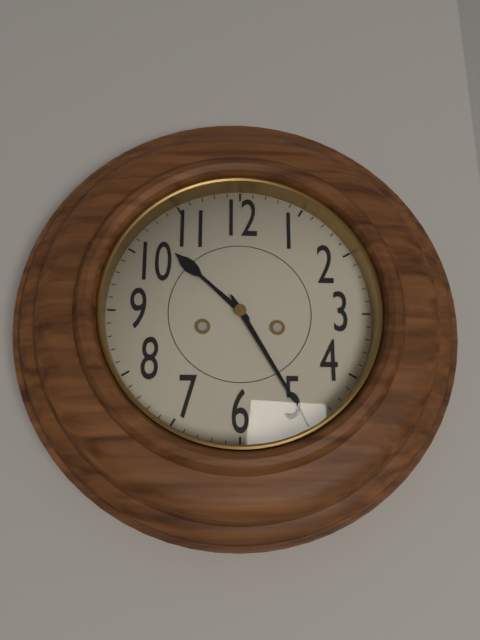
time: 10:25
